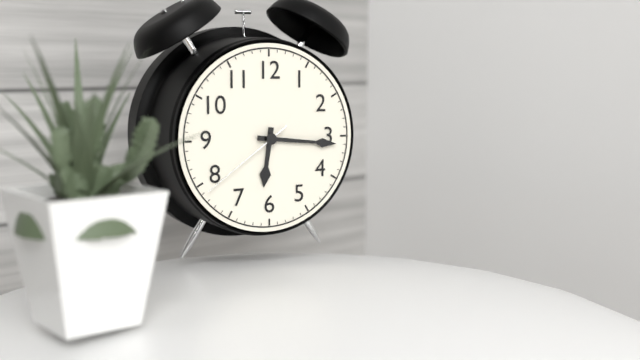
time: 6:16:39
